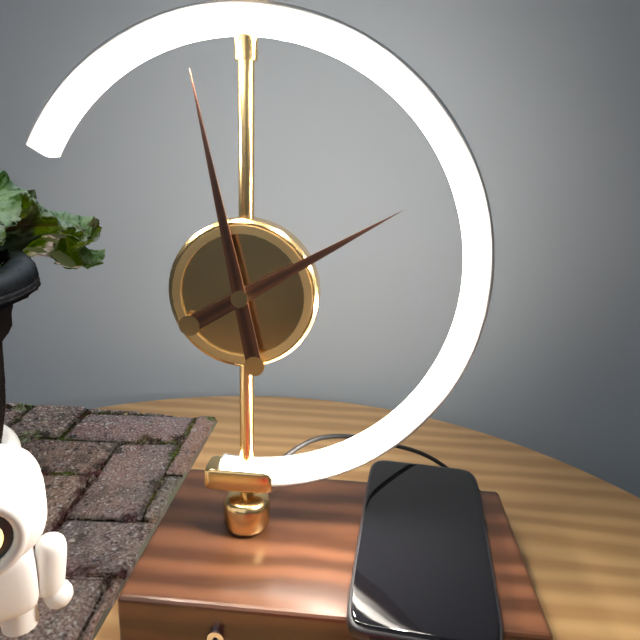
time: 1:58
